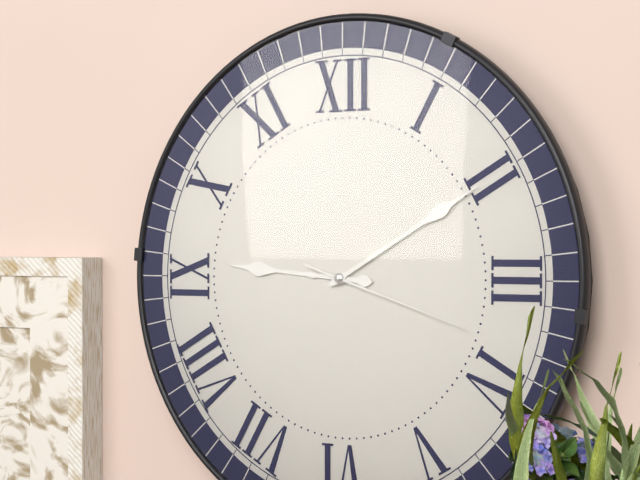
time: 9:10:18
